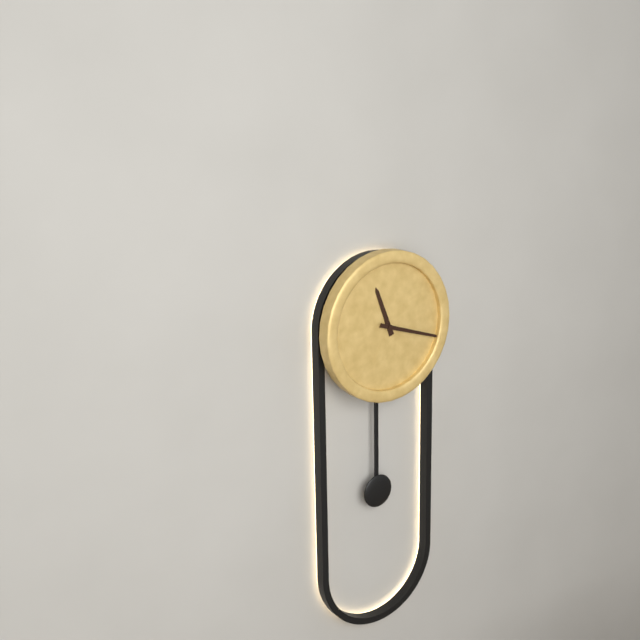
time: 11:18
